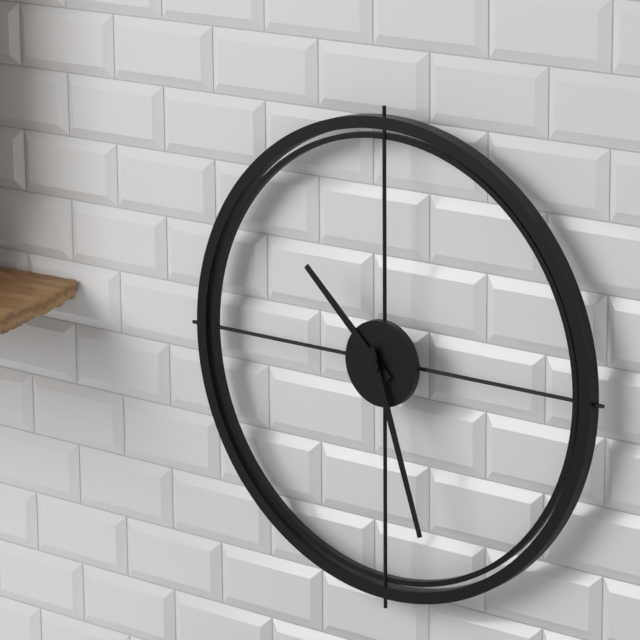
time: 10:27
